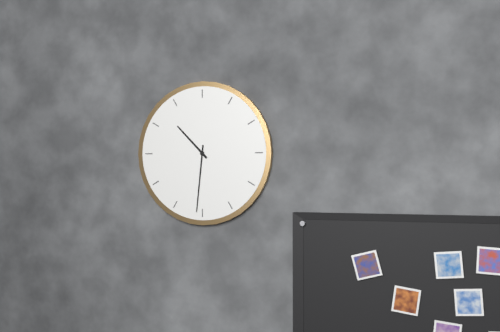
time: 10:31
